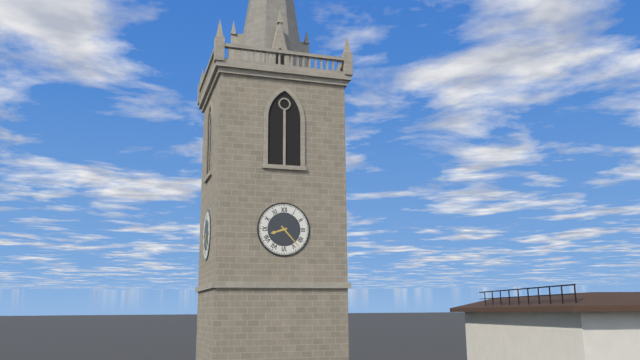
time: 8:23
